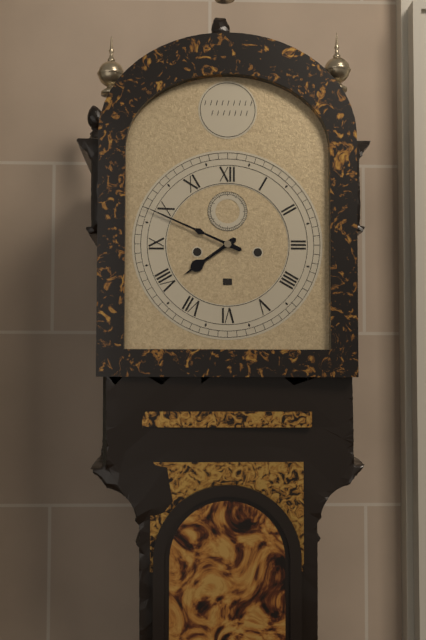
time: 7:49
